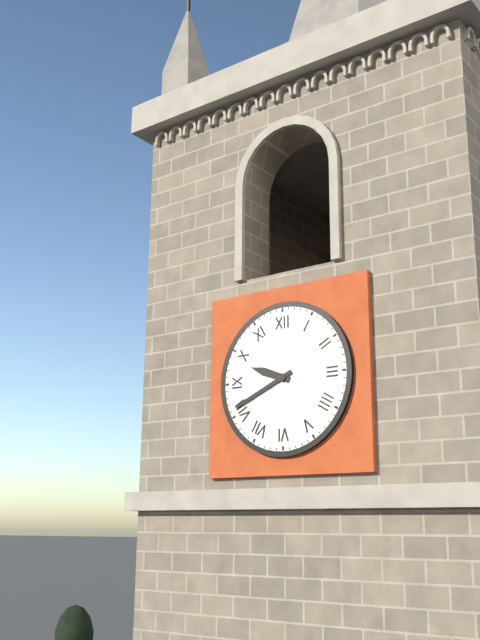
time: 9:41
